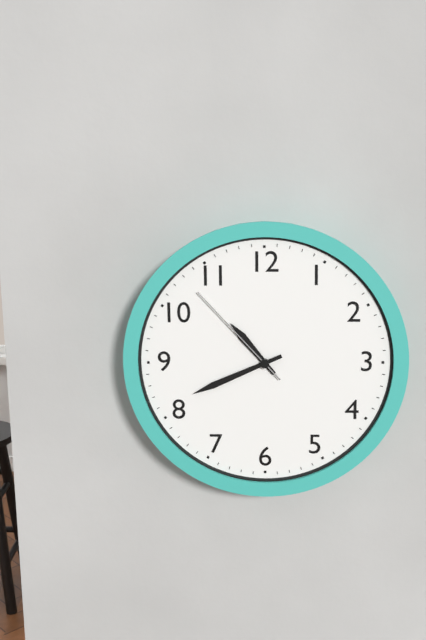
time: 10:41:53
